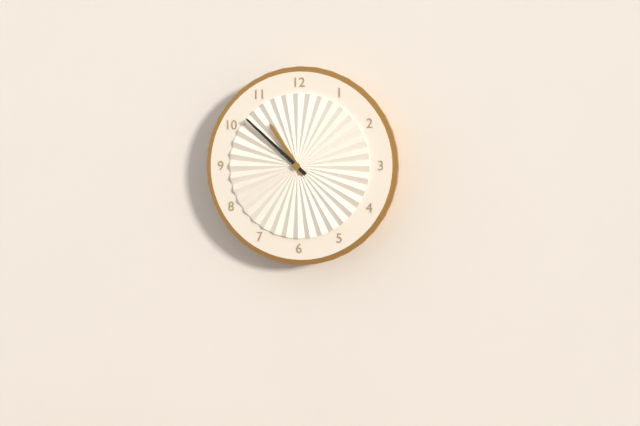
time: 10:52
